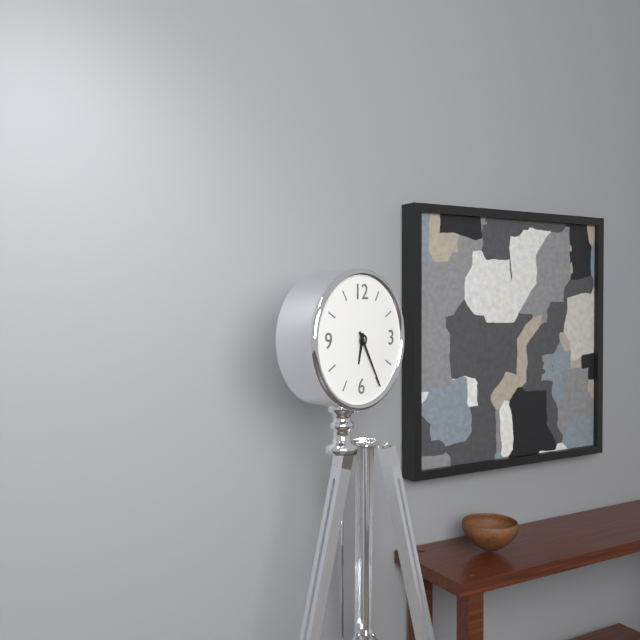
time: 6:25
